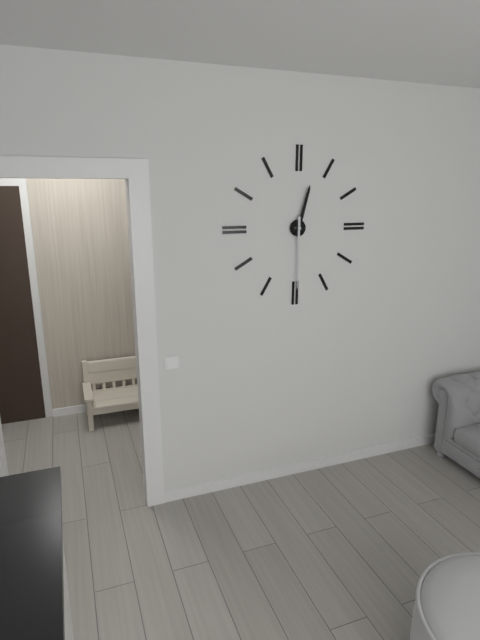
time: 12:30
